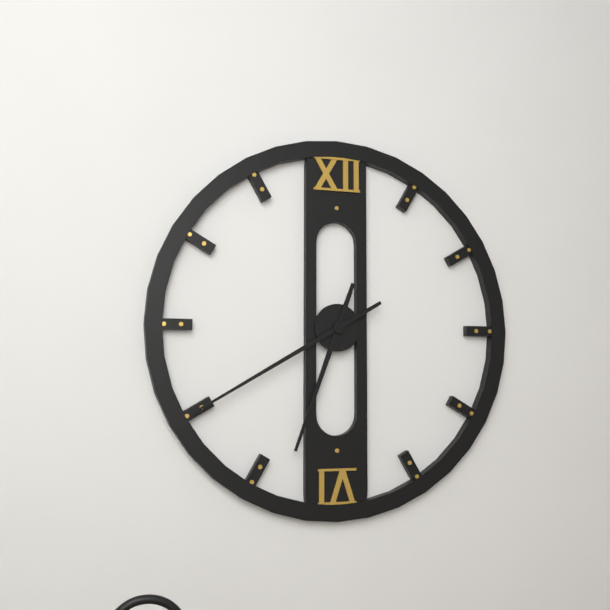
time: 6:40
